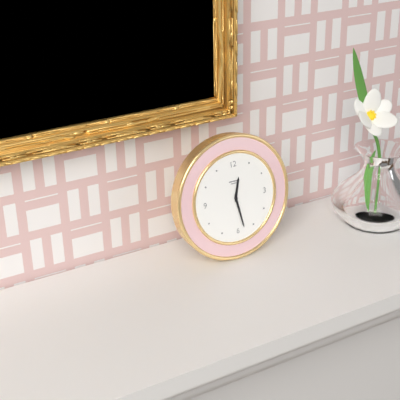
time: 12:28
